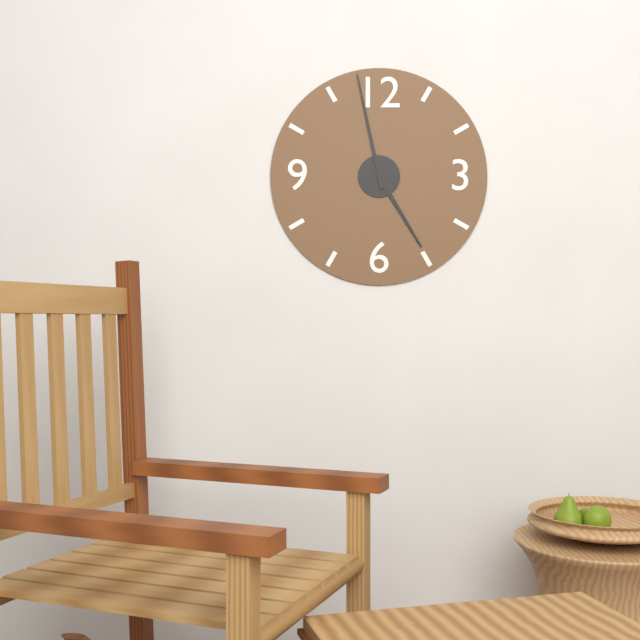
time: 4:58
